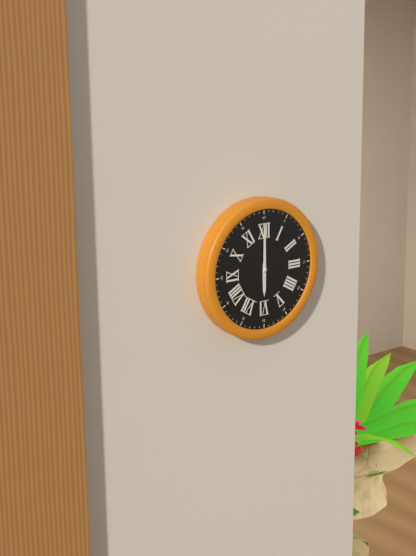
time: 6:00
